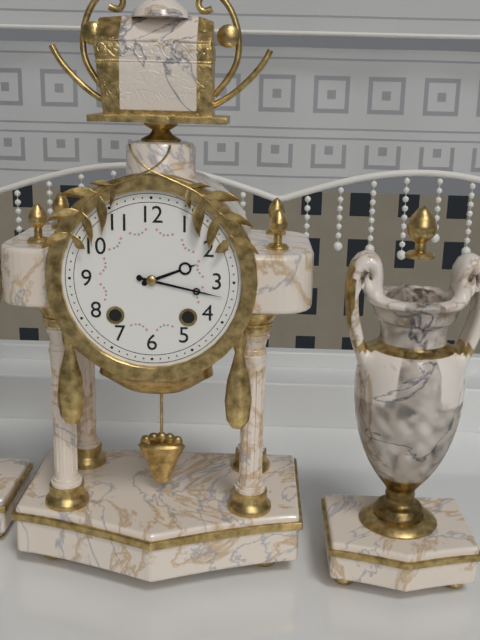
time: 2:17
